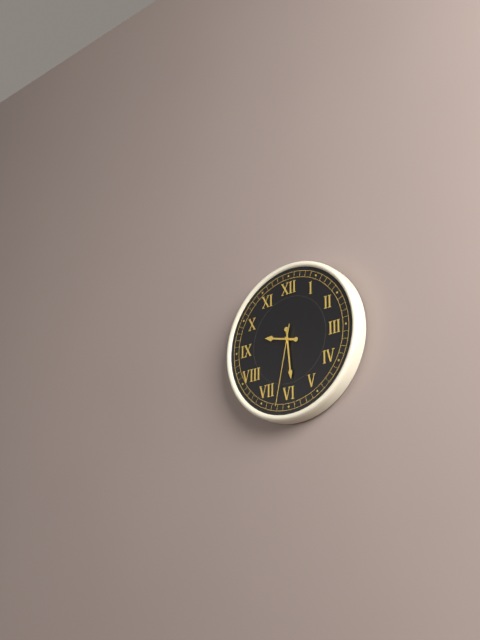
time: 9:29:32
